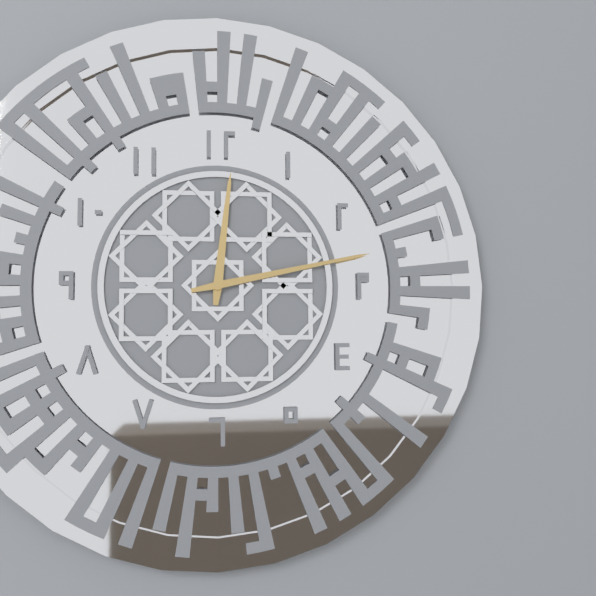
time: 12:13
